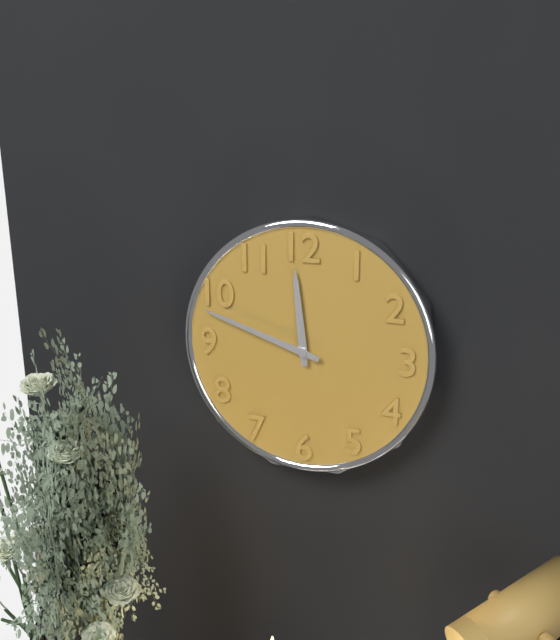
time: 11:48
